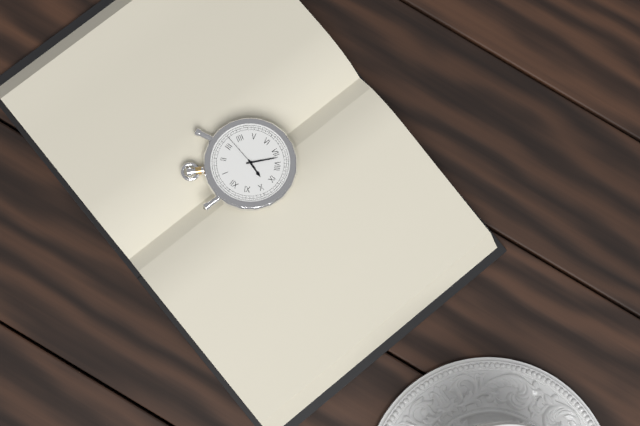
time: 9:37
